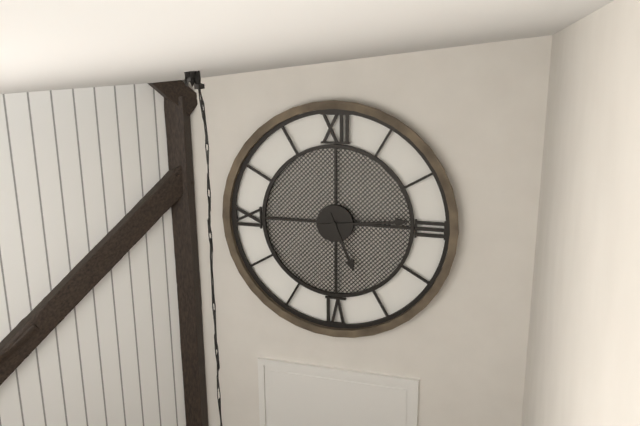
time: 5:14
